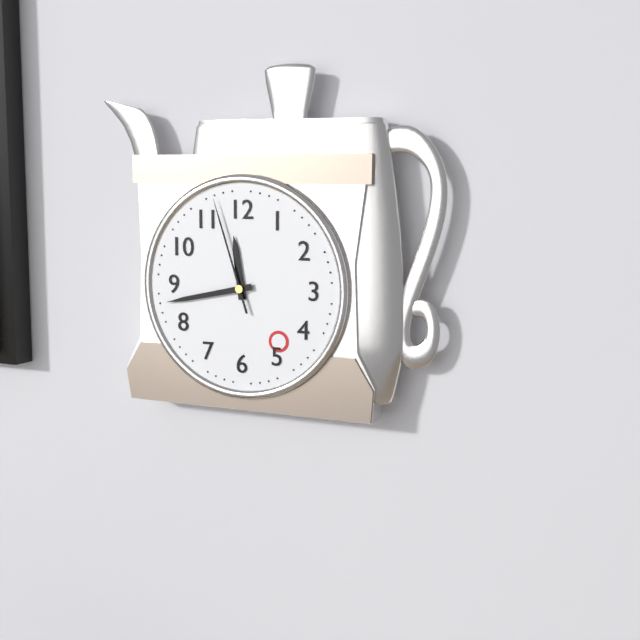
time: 11:43:57
